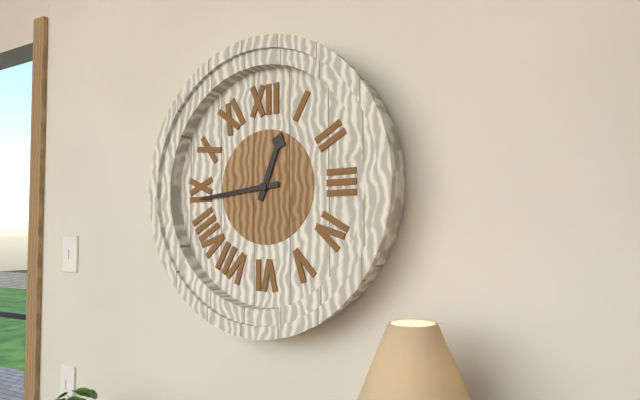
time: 12:44
